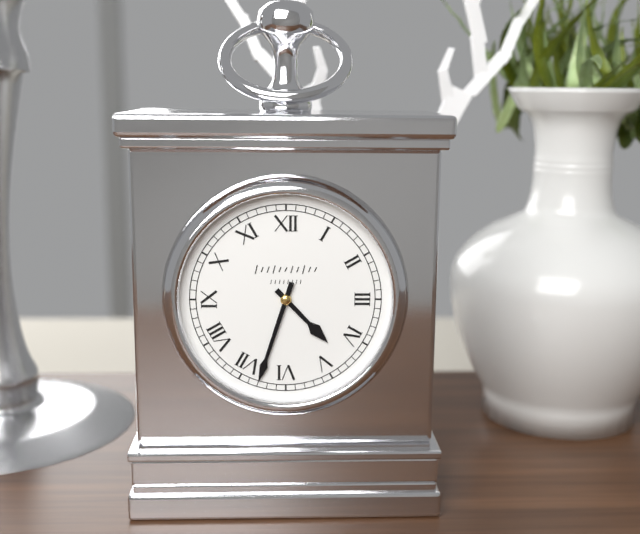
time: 4:33
